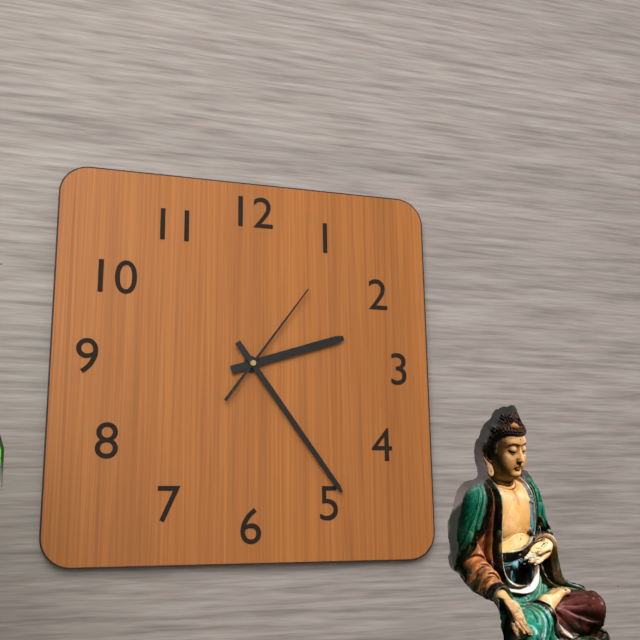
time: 2:24:06
